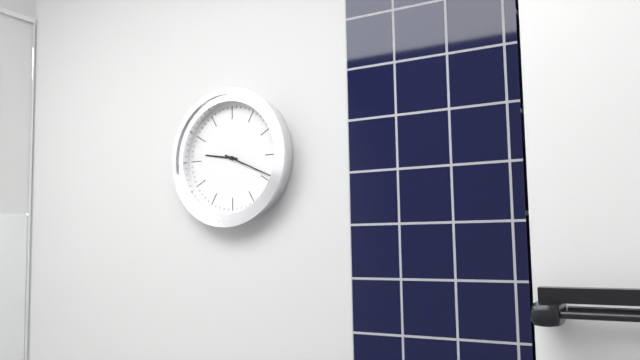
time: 9:19
